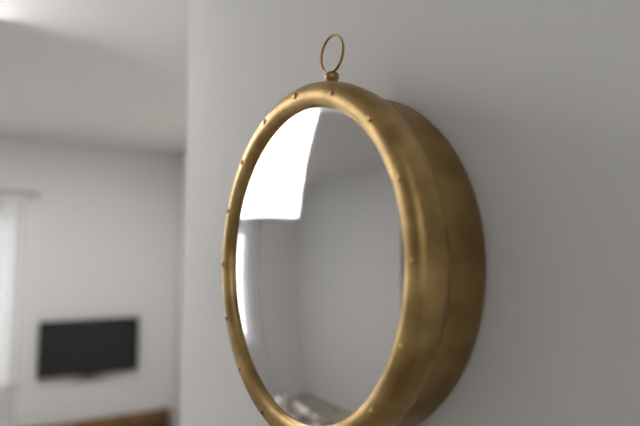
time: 11:02
